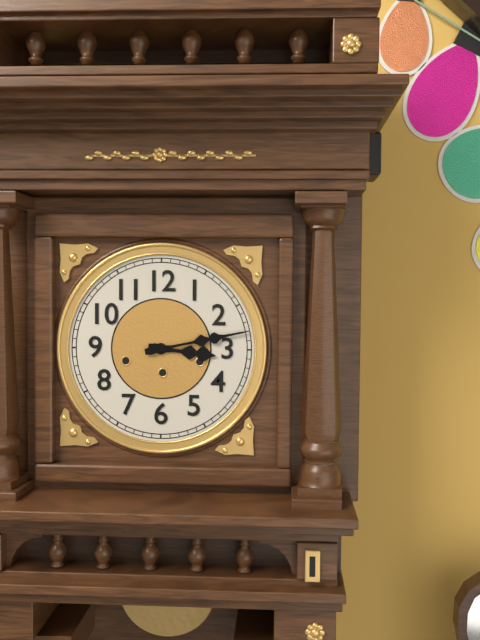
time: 3:13
